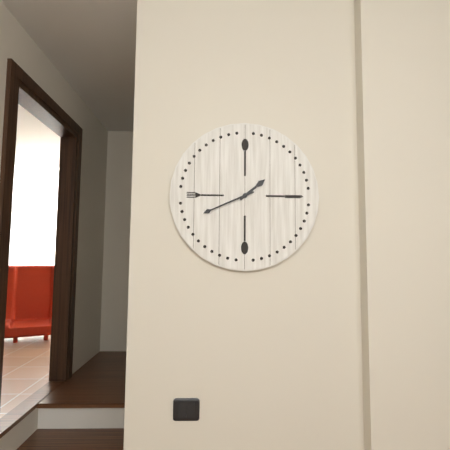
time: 1:41
